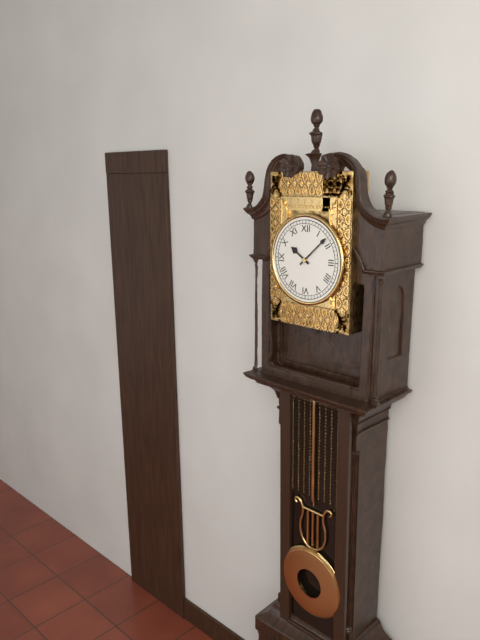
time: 10:08
